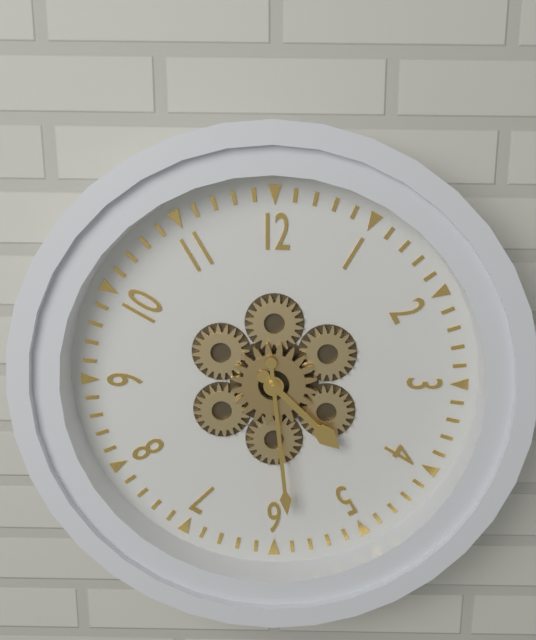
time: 4:29
